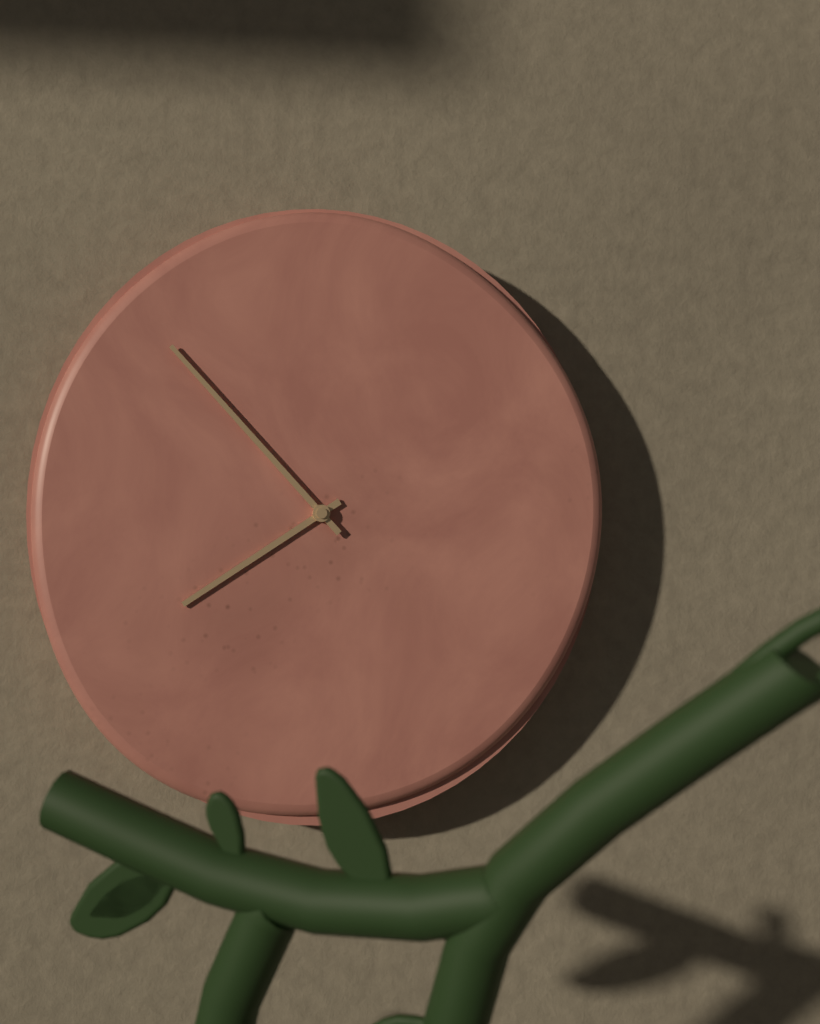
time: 7:53
